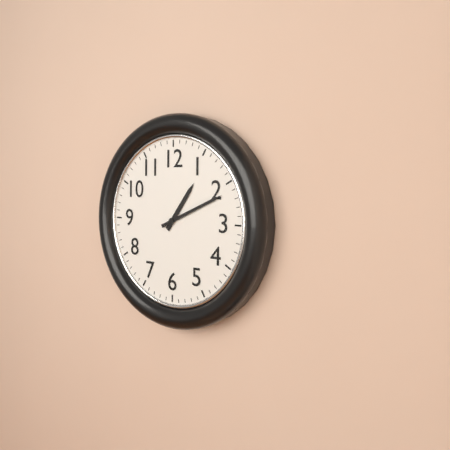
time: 1:11
